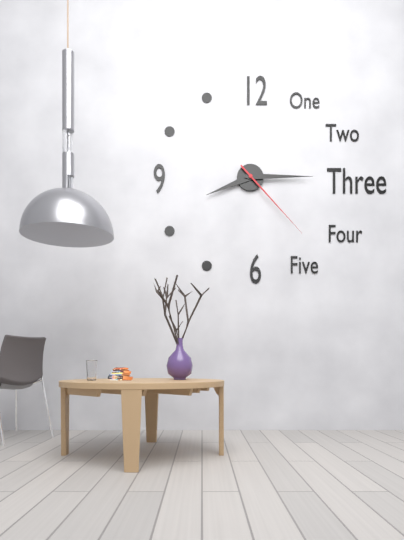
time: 8:15:23
